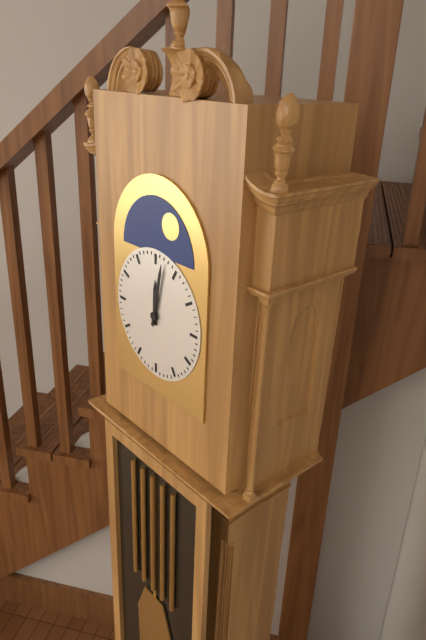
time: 12:02
